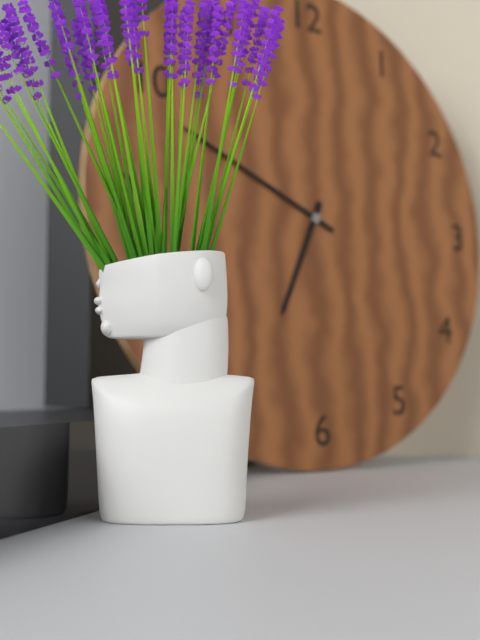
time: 6:49
